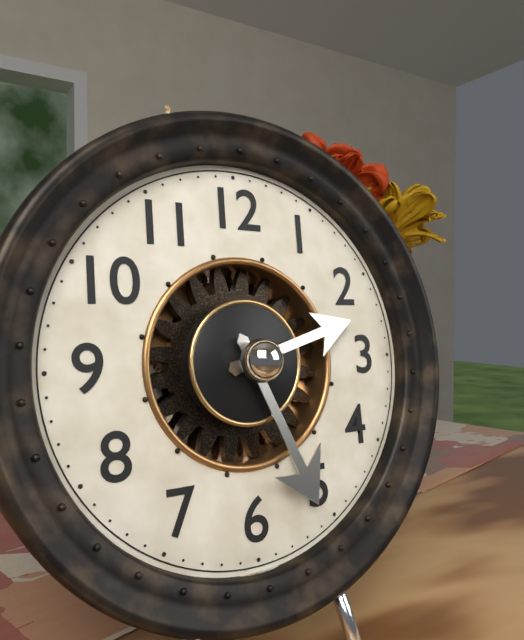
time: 2:26
